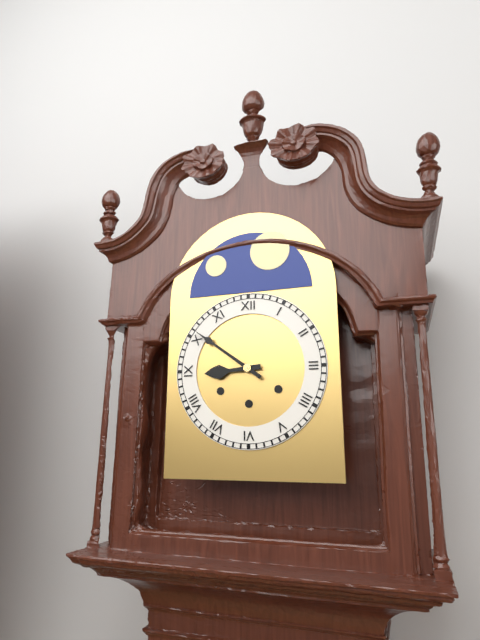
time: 8:51
